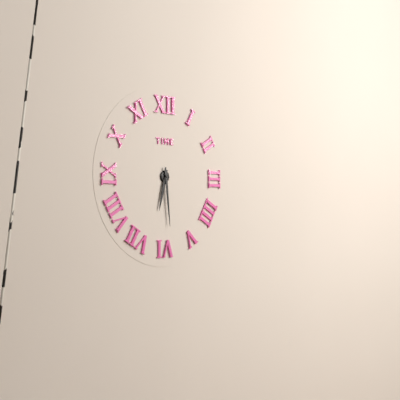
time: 6:29
